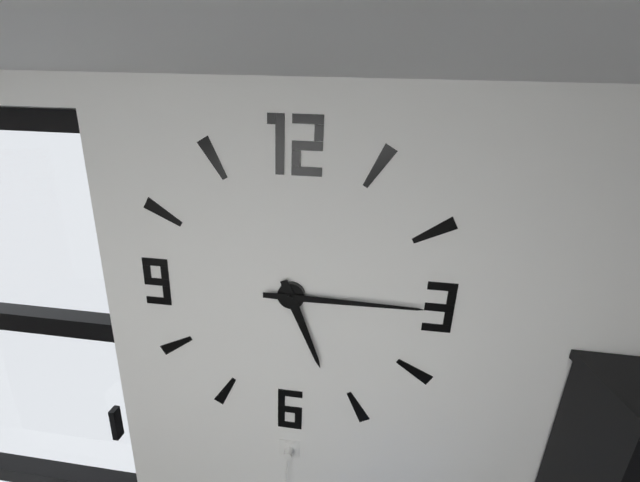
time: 5:15
